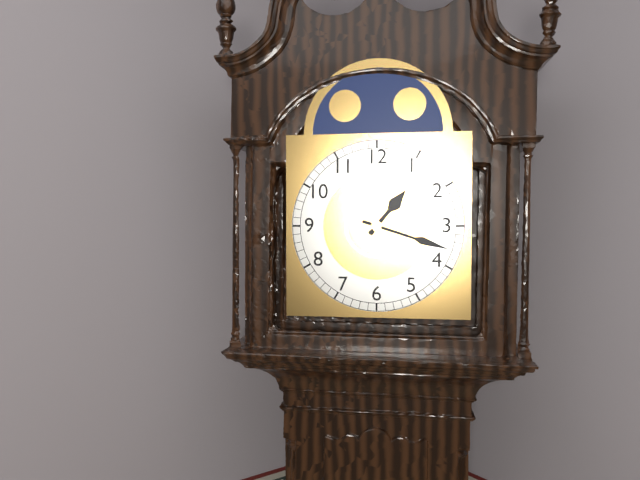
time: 1:18
